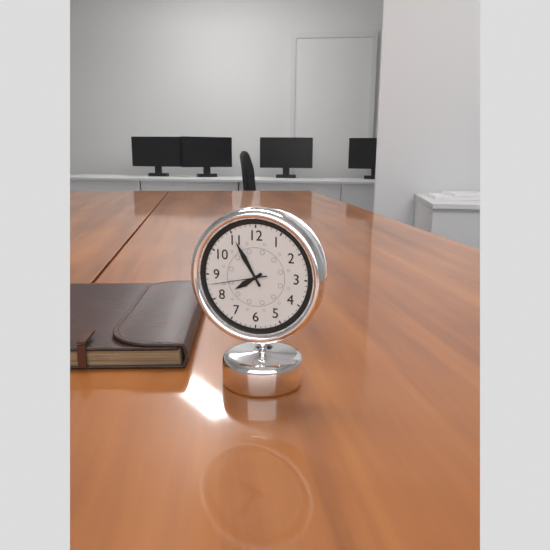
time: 7:55:43
